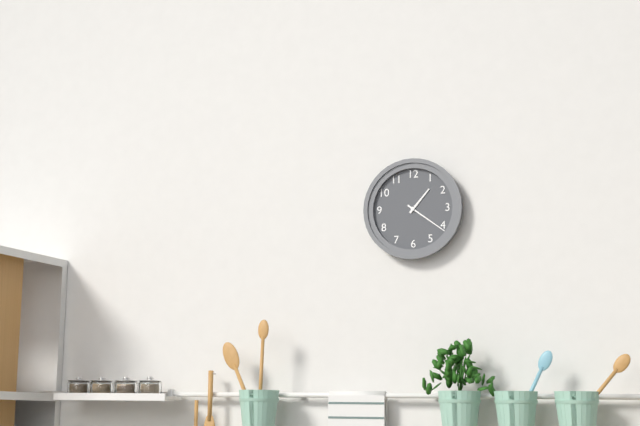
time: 1:21
